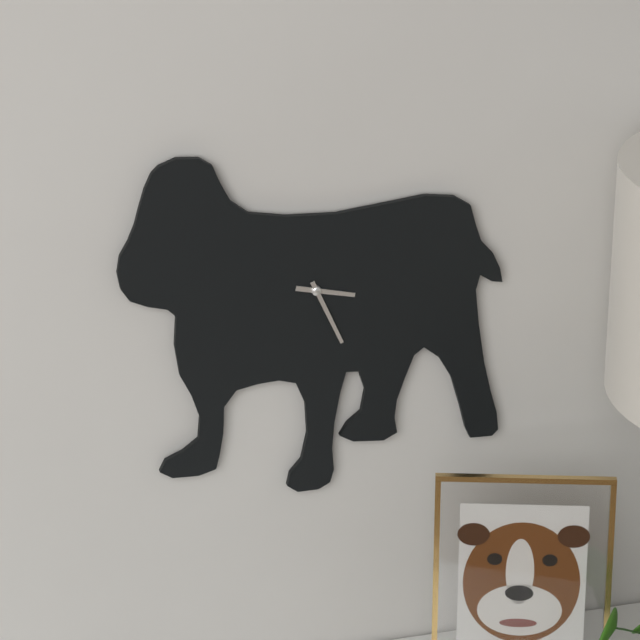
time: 3:26
